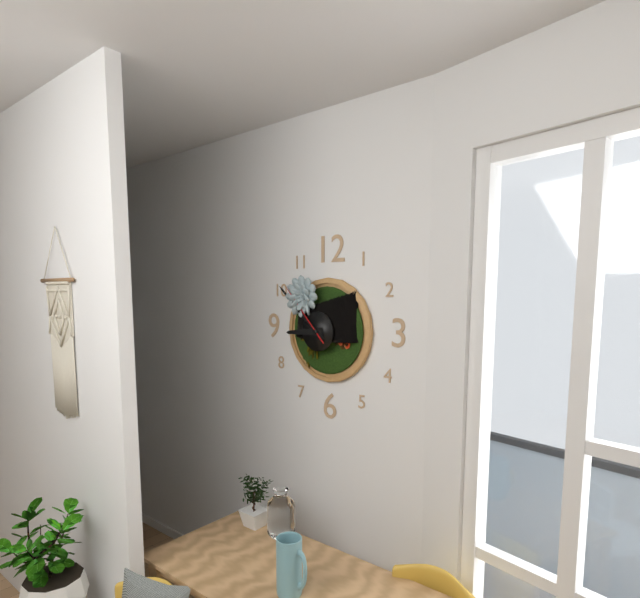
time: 8:52:53
